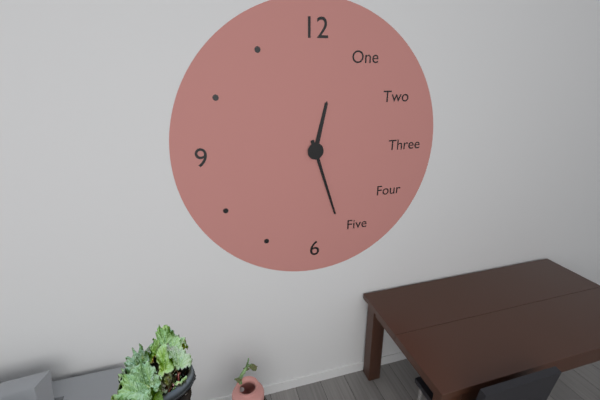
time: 12:27
